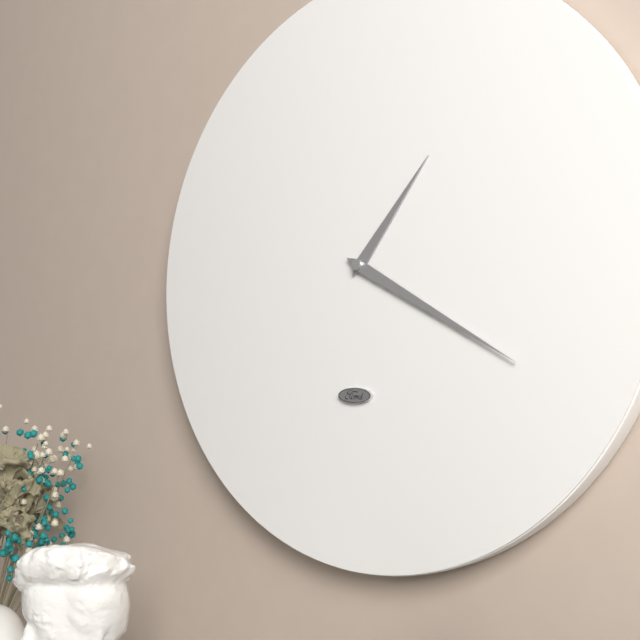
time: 1:20
